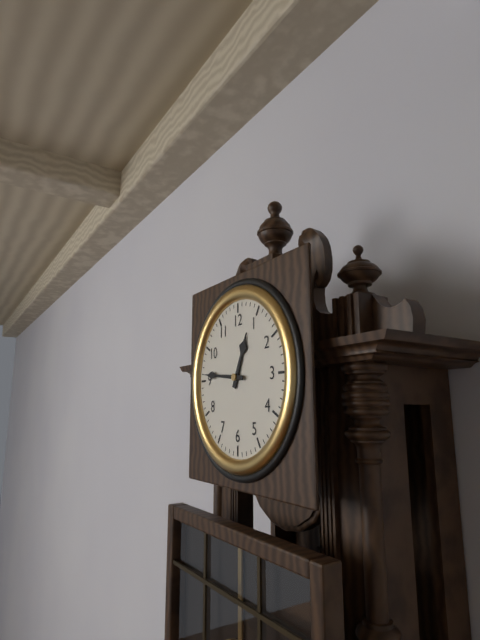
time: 12:46
